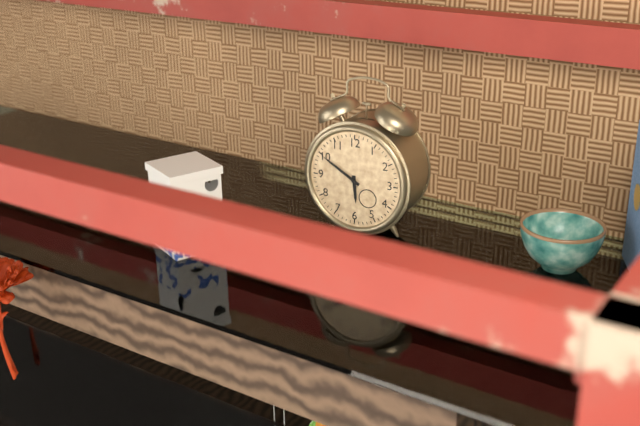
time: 5:50
